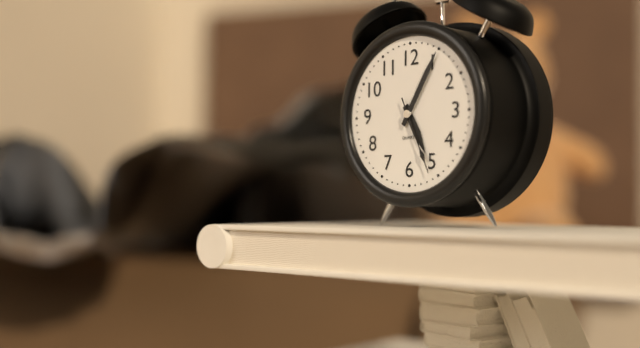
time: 5:05:26
